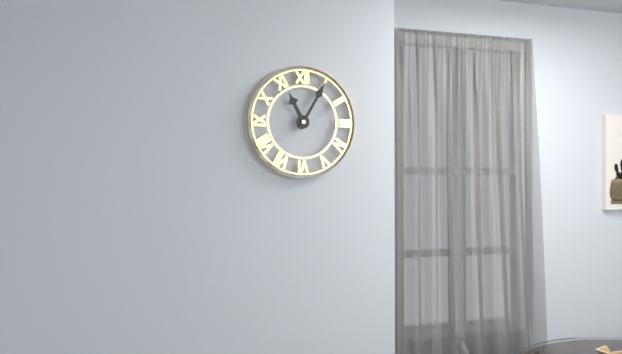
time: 11:05
